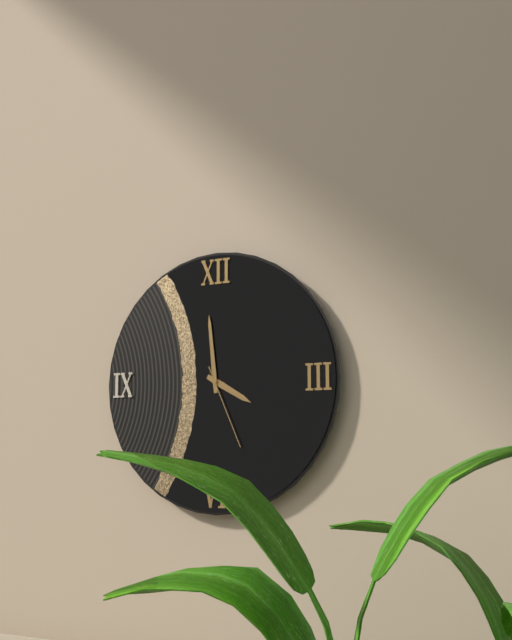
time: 3:59:26
